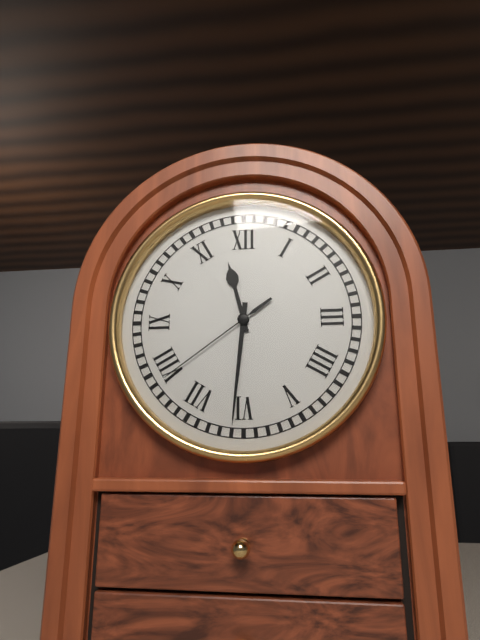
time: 11:31:39
